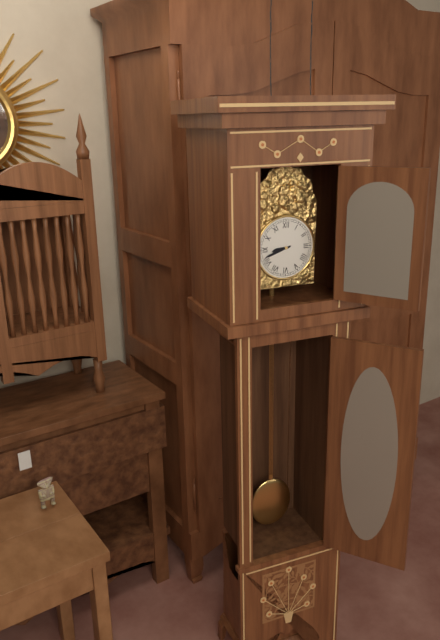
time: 8:42
